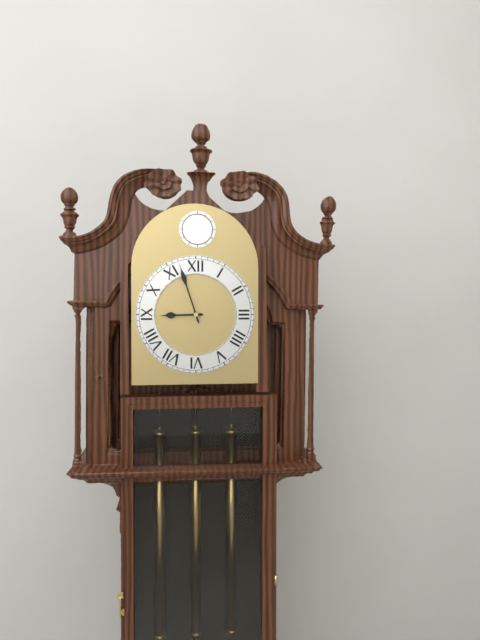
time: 8:57
